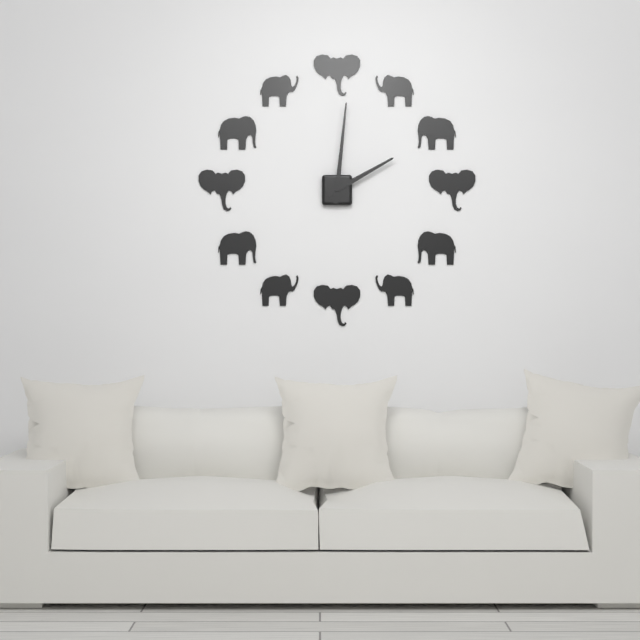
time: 2:01
